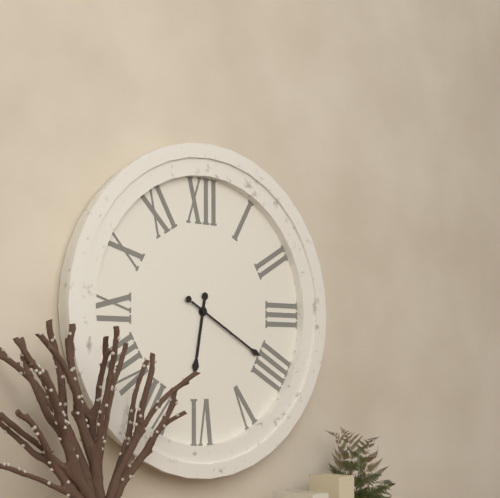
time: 6:20
